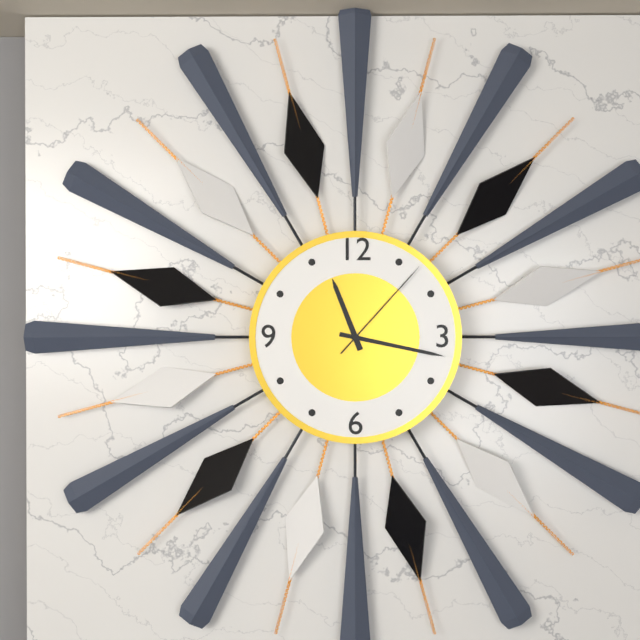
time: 11:17:07
